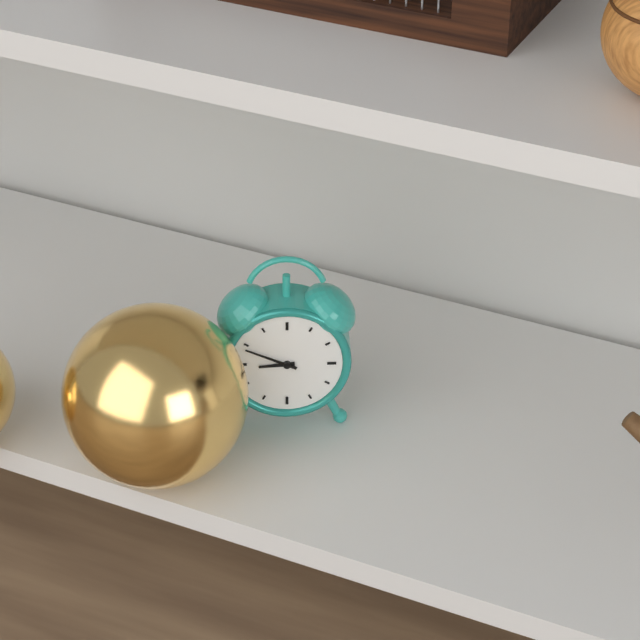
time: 8:49
